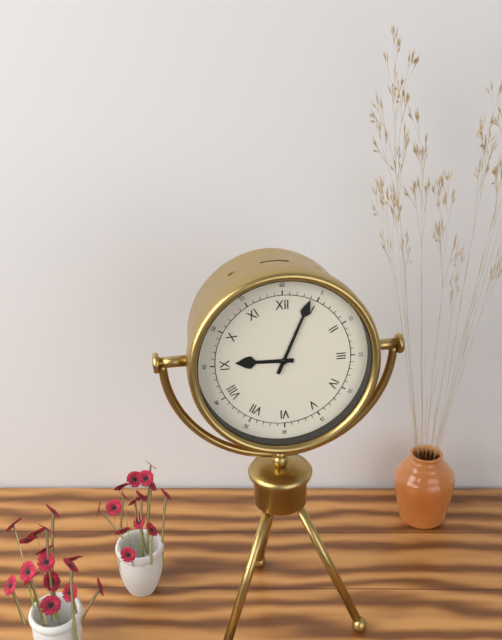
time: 9:04
